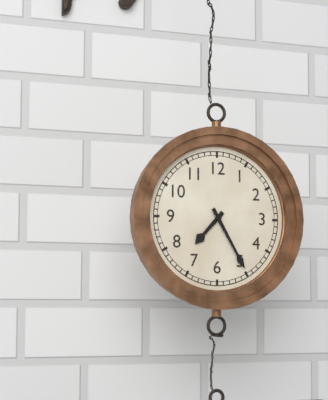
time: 7:25
